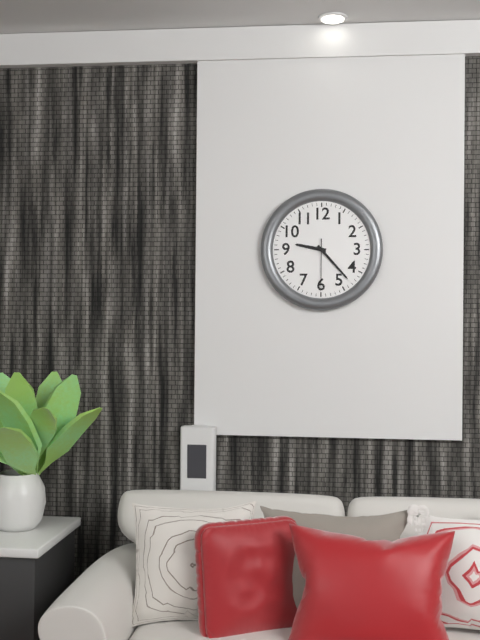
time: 9:23:30
